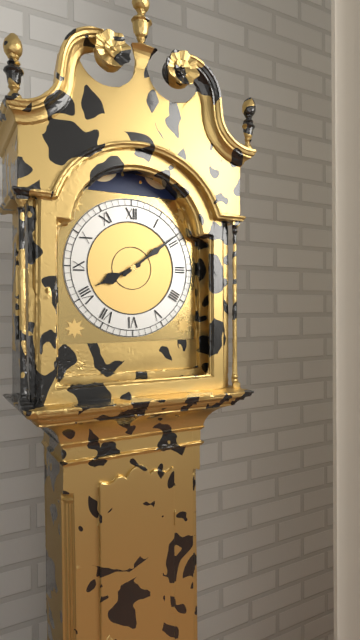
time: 8:09
